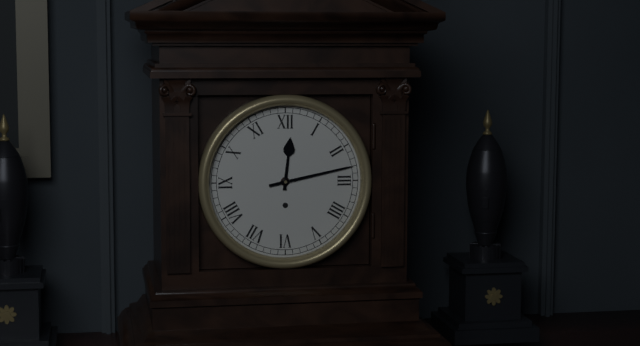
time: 12:13
